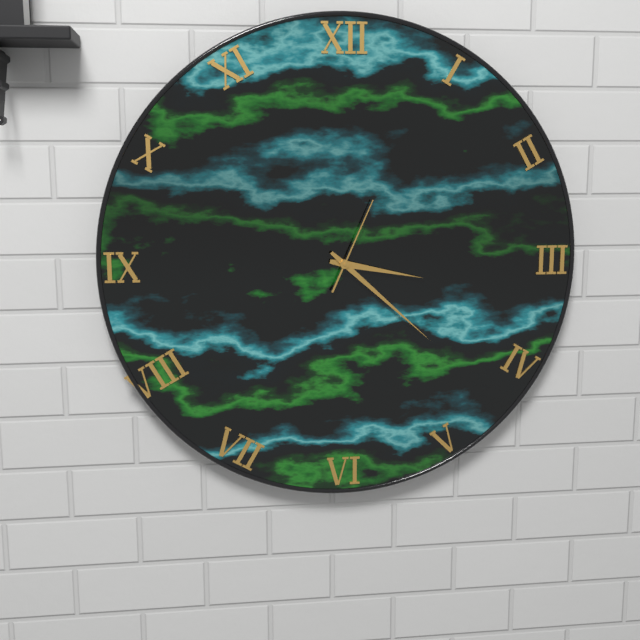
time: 3:22:04
